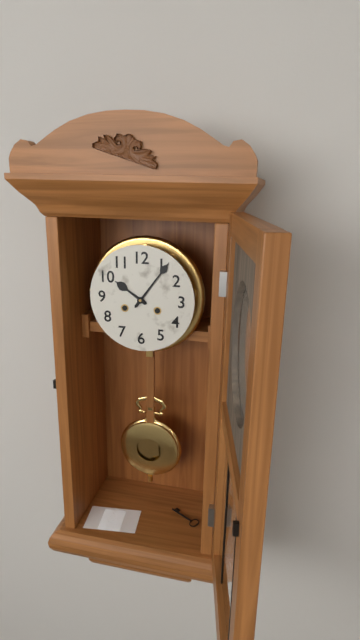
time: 10:06
